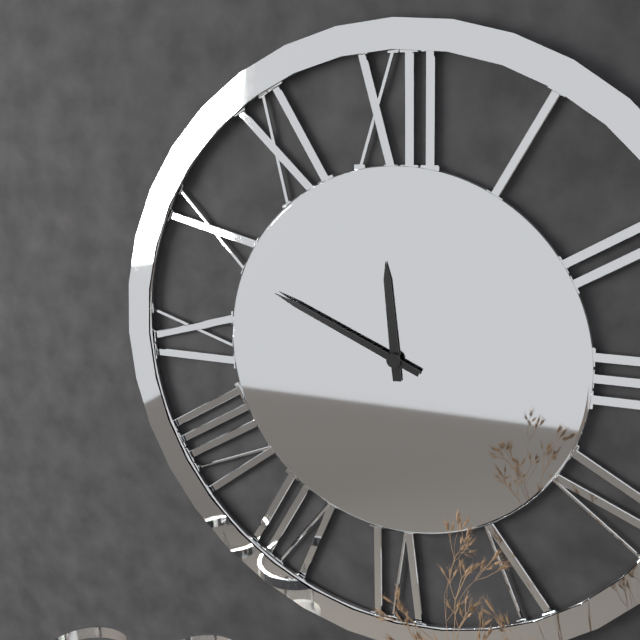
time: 11:49
